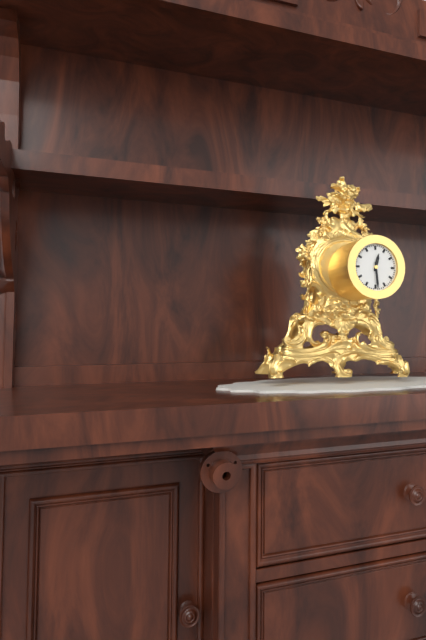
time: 12:29
